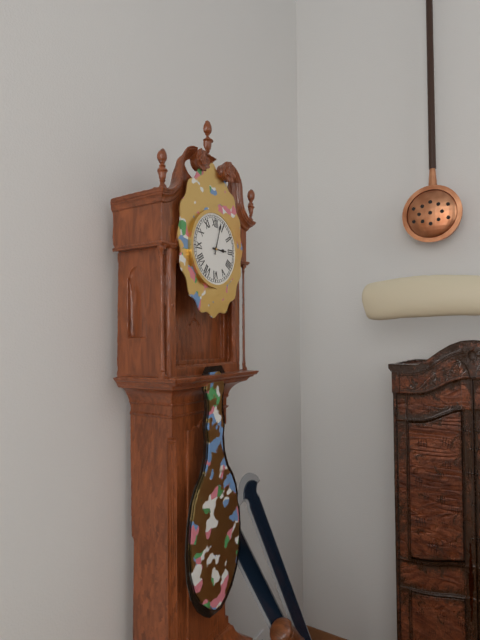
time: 3:03
